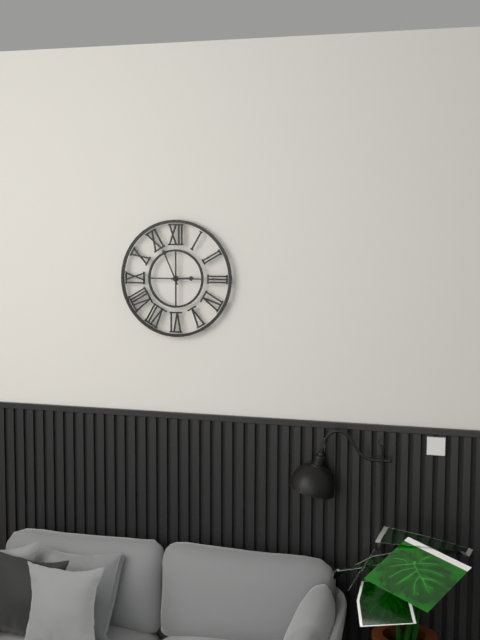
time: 2:56
